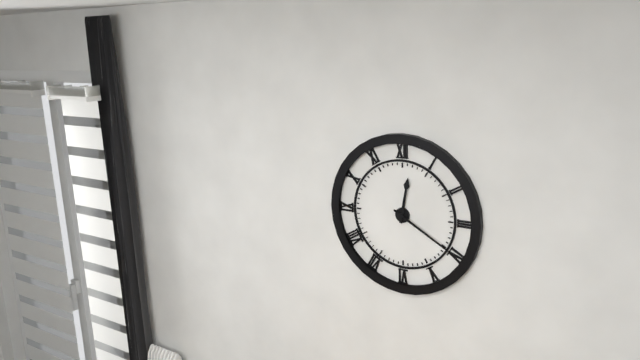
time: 12:20
